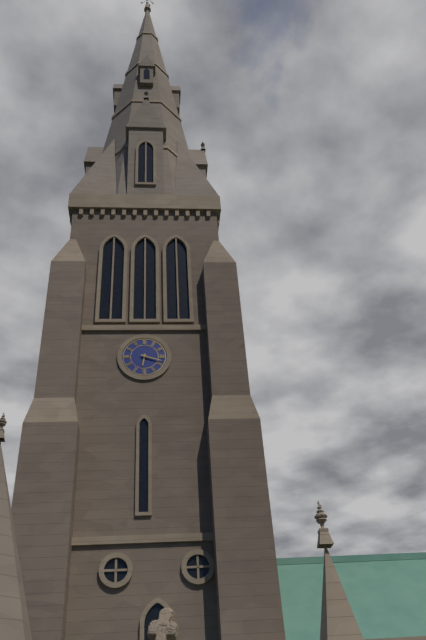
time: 6:18
